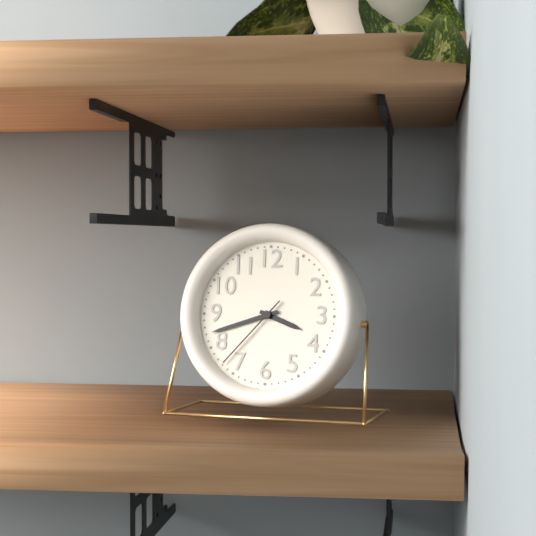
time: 3:42:37
